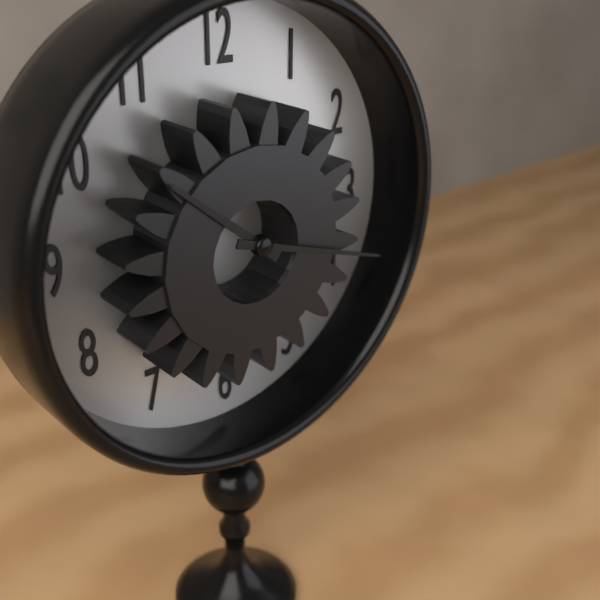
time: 10:18
